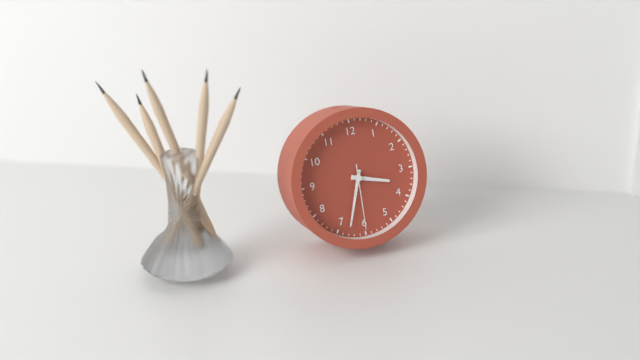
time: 3:33:30
